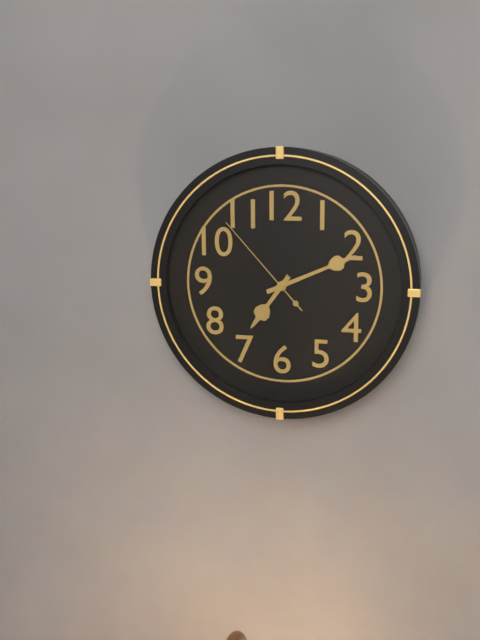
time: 7:11:53
